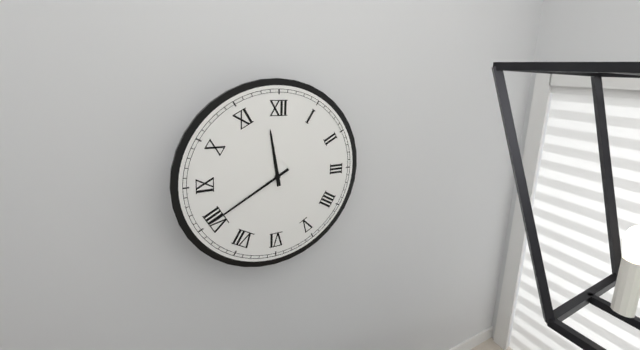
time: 11:40
